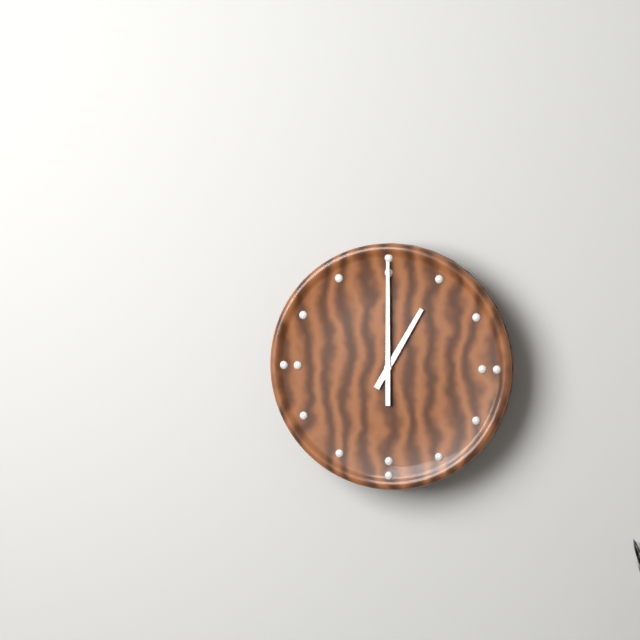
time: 1:00
